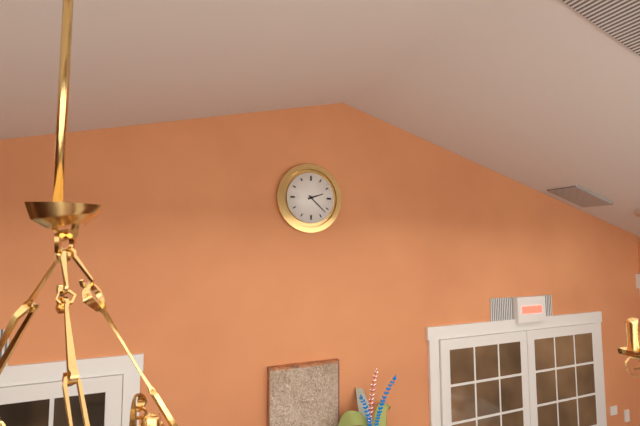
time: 2:22
